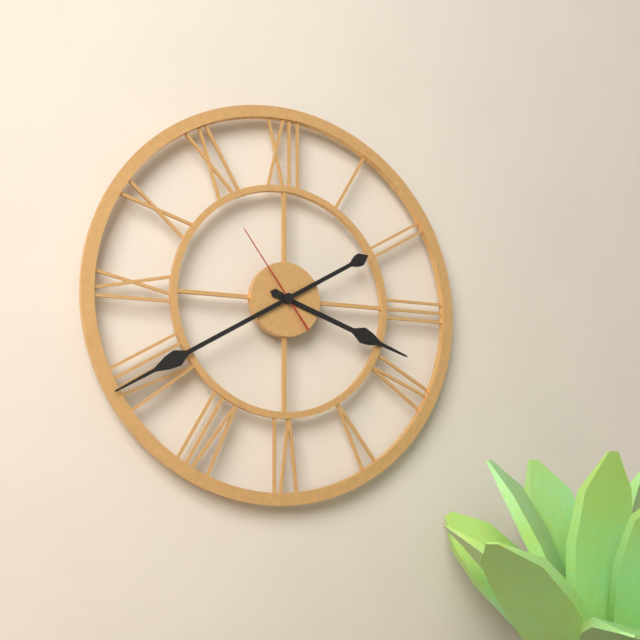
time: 3:40:54
